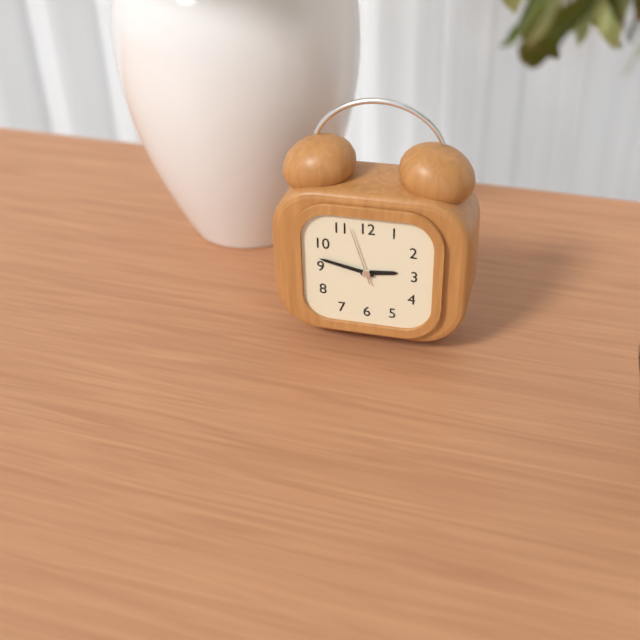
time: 2:47:57
